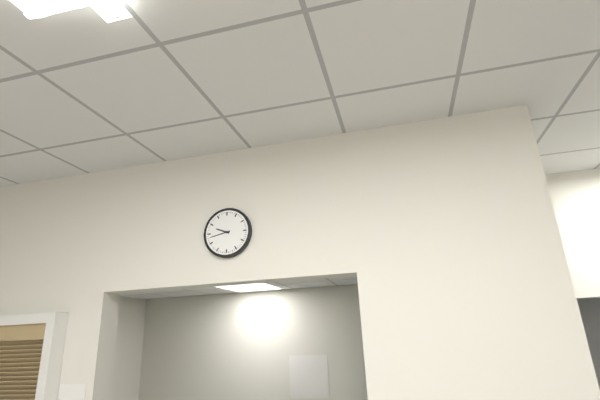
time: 9:43
